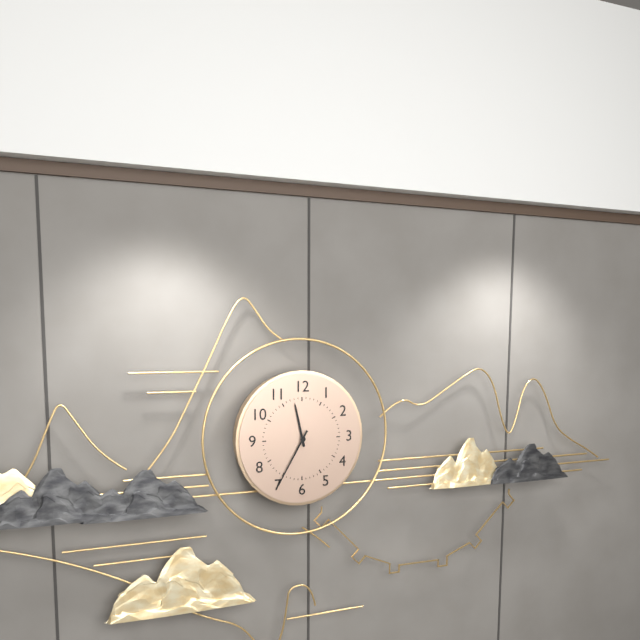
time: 11:35
